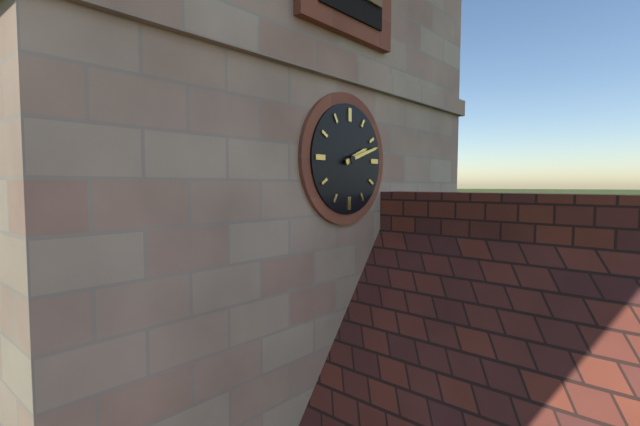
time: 2:12
